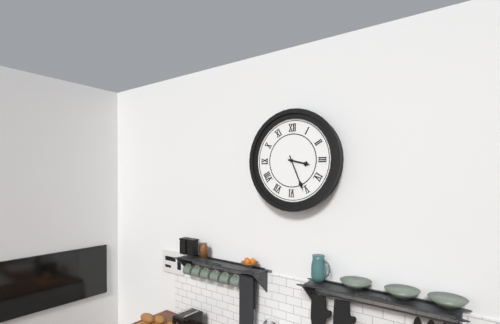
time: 3:26
